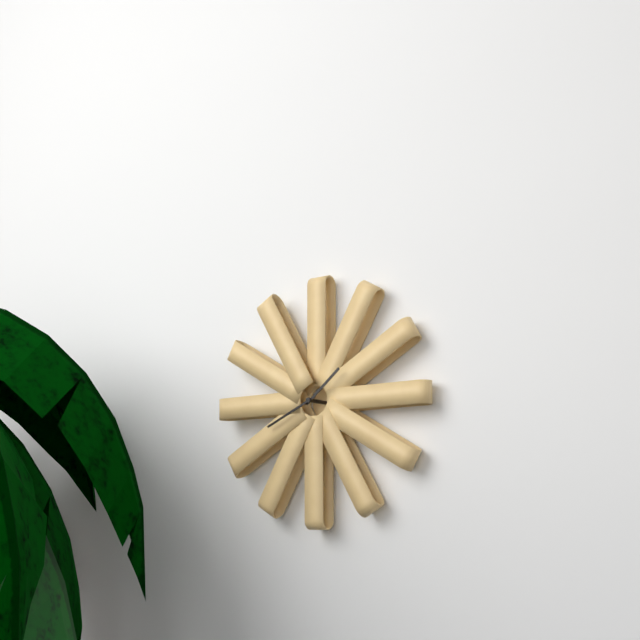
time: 1:41
